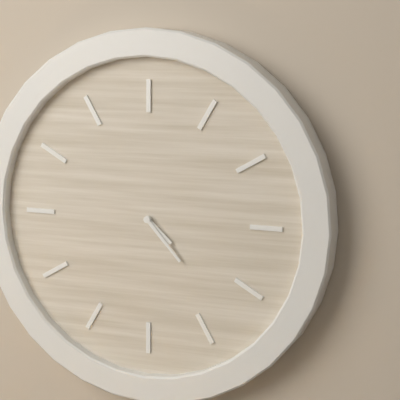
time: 4:23
